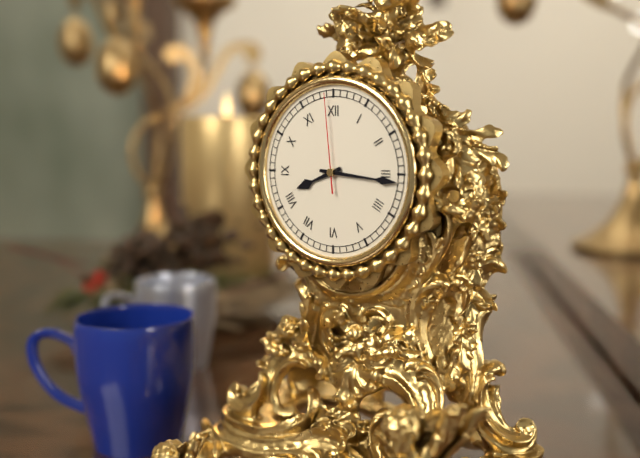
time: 8:16:59
